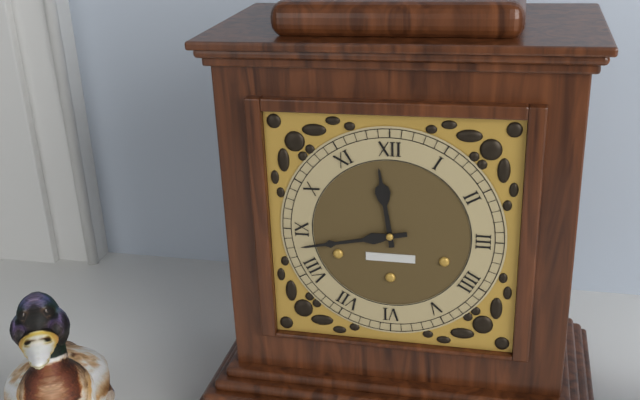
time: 11:43
